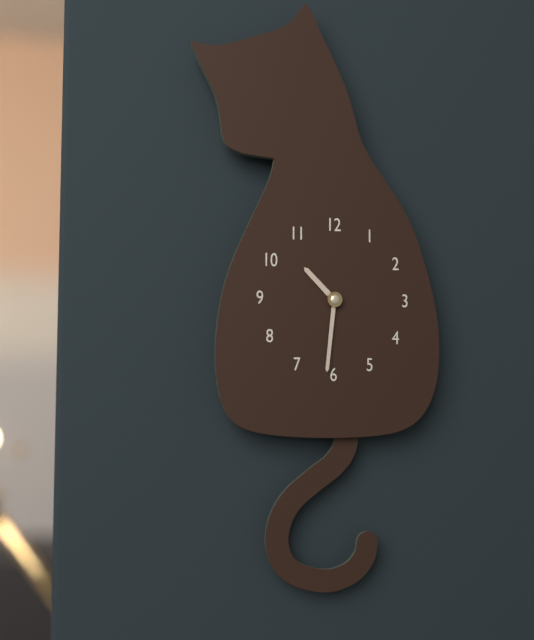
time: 10:31
